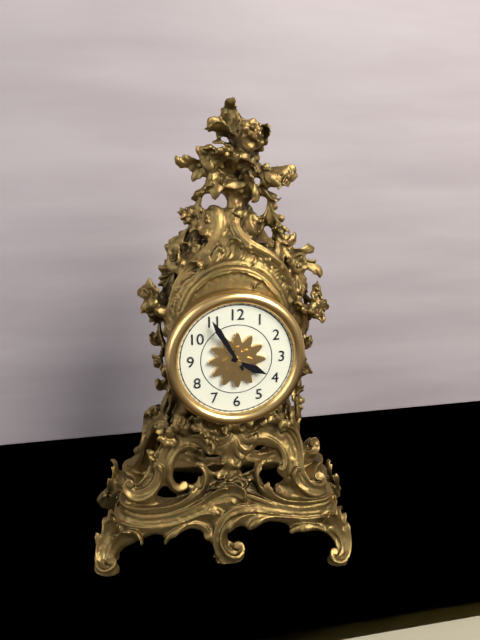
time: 3:55
